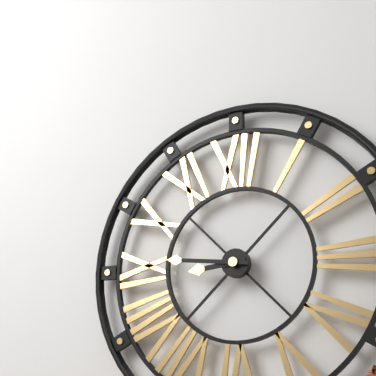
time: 8:46
